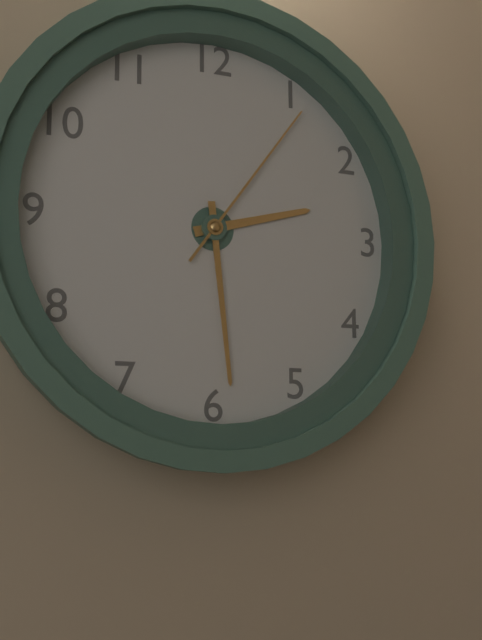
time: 2:29:06
